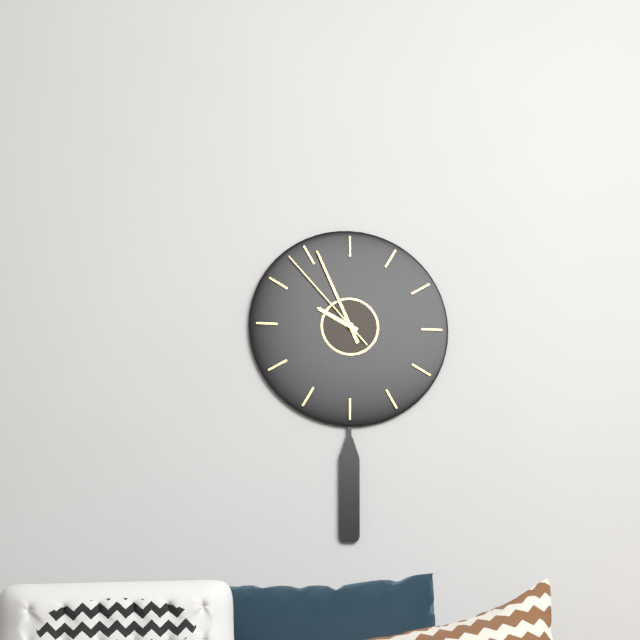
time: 9:56:53
